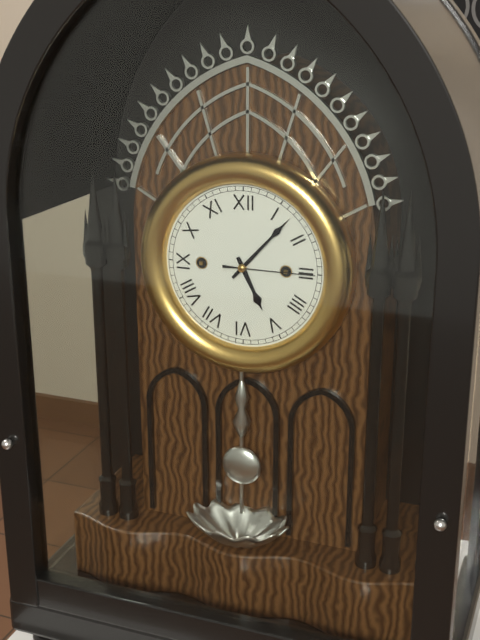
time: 5:07:15
